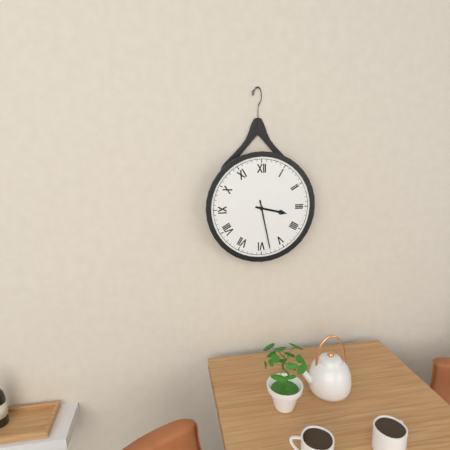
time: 3:28
